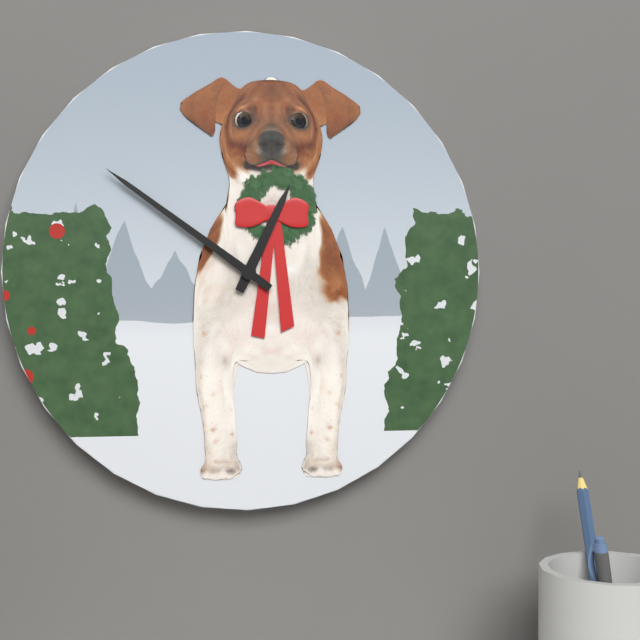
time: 12:51
